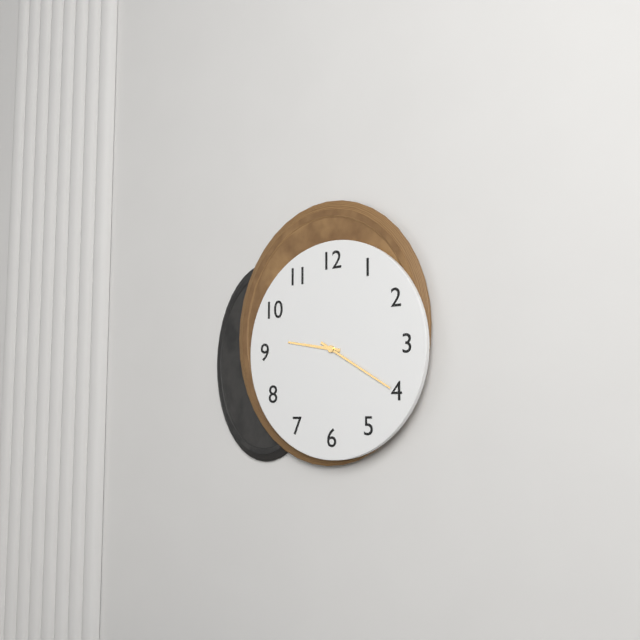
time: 9:20
